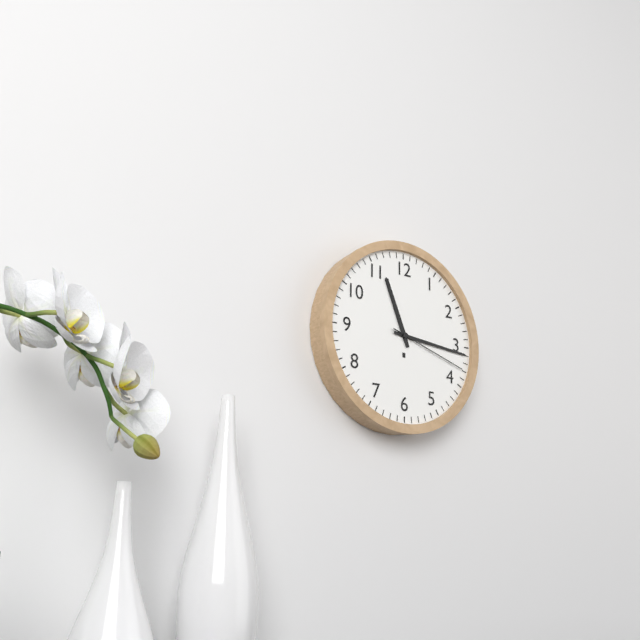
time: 11:16:18
